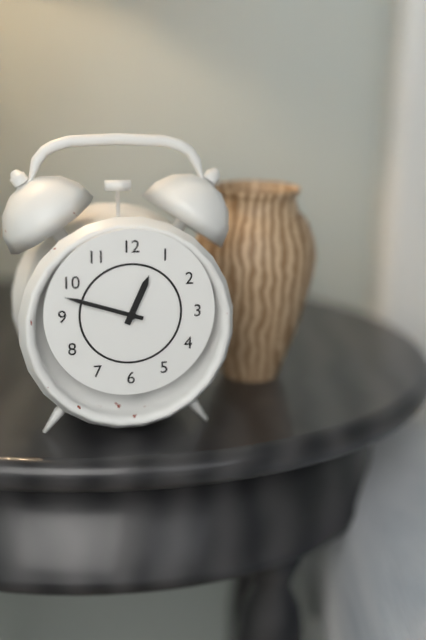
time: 12:48
